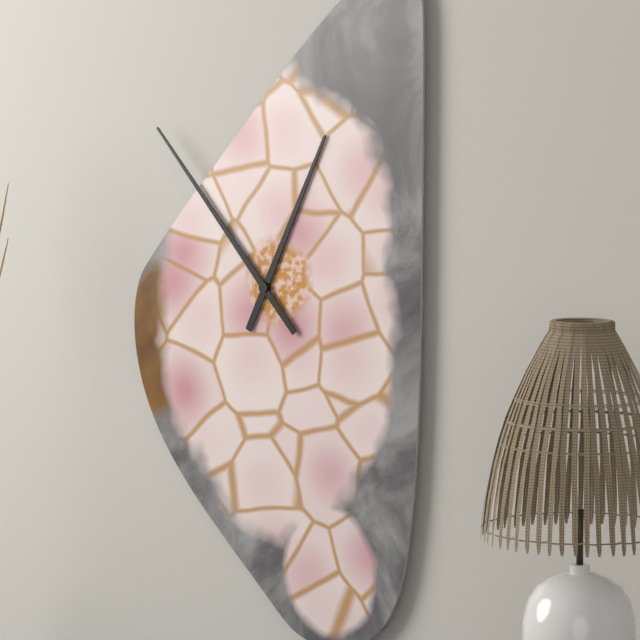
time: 12:53
